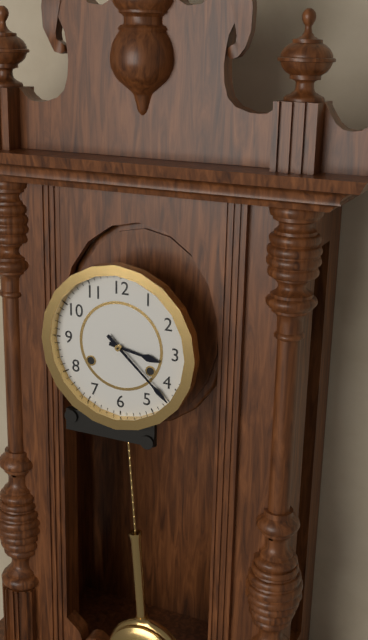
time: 3:22
